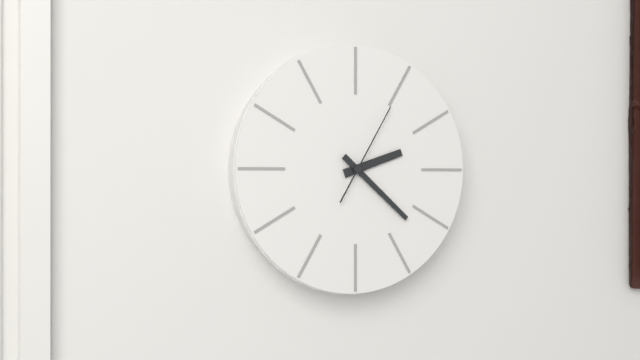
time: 2:22:05
